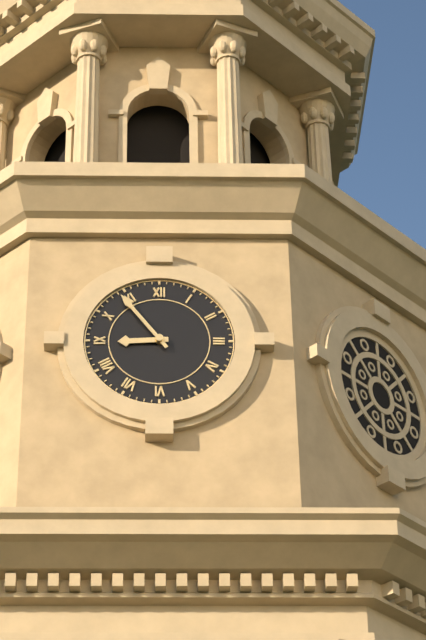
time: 8:54
